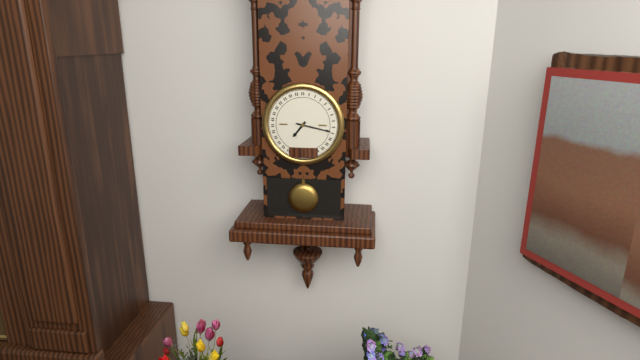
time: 7:17
